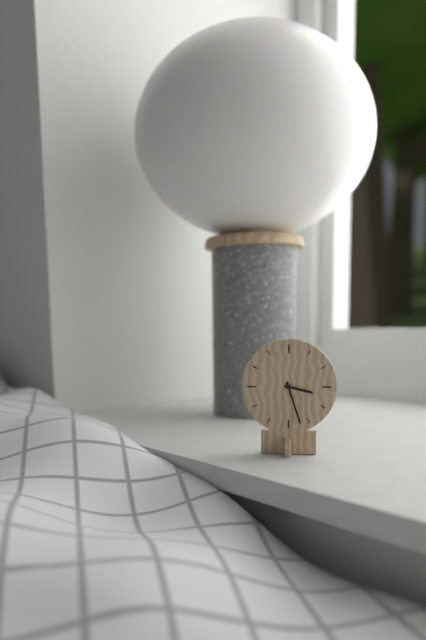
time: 3:27
